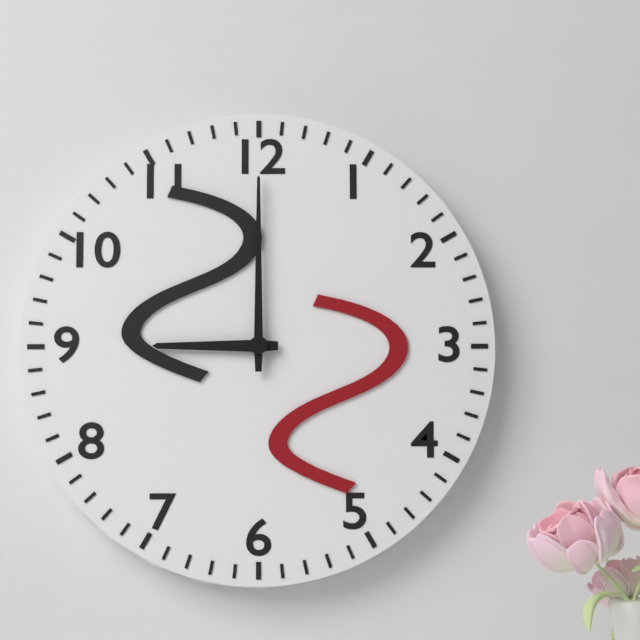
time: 9:00
